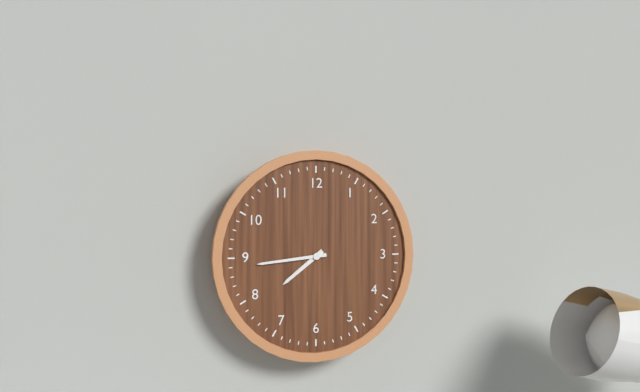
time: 7:44
